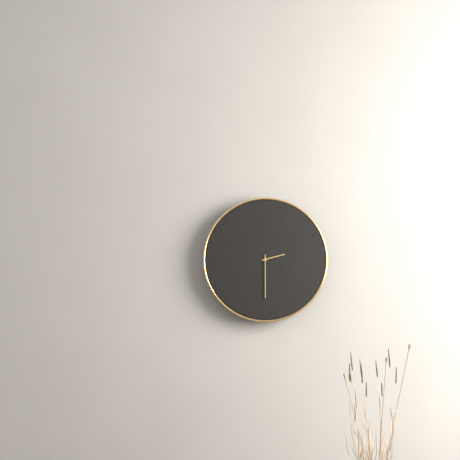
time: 2:30
